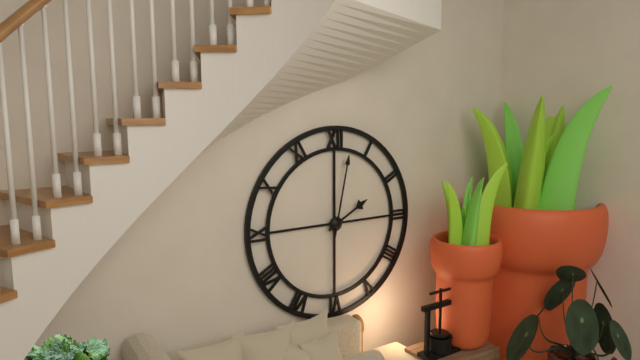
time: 2:02
